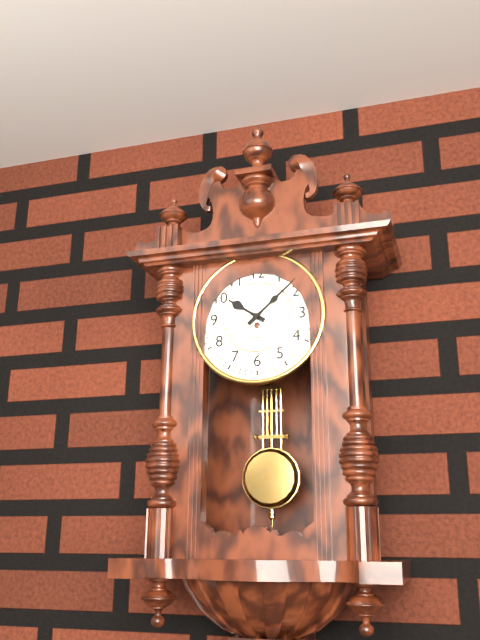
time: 10:08
